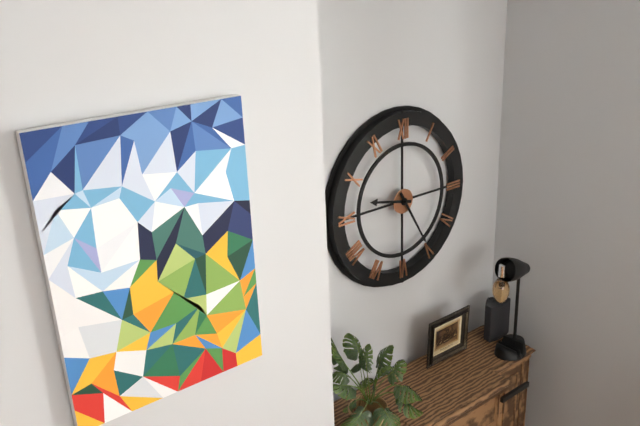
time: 9:25
